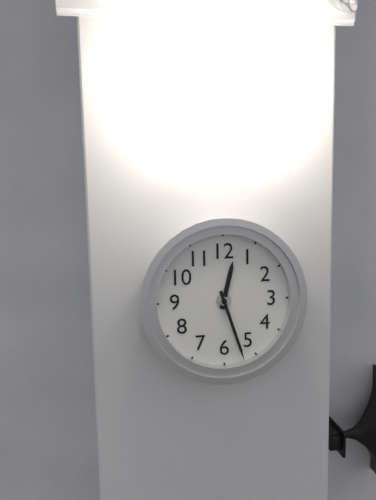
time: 12:27
